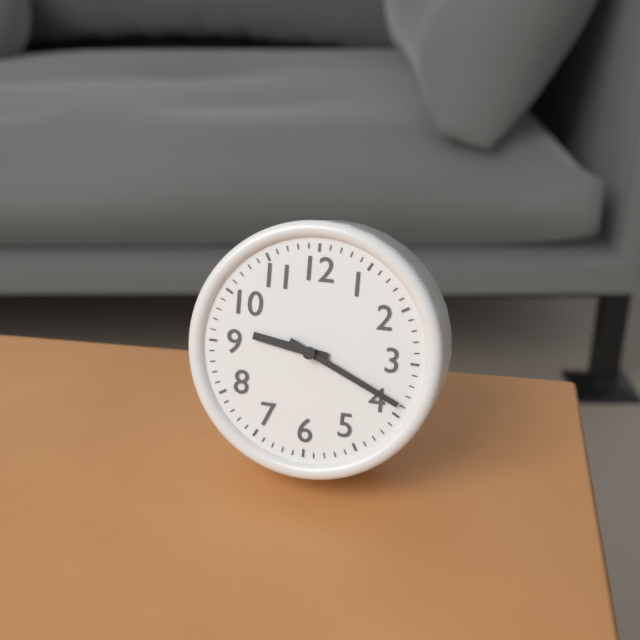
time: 9:19
